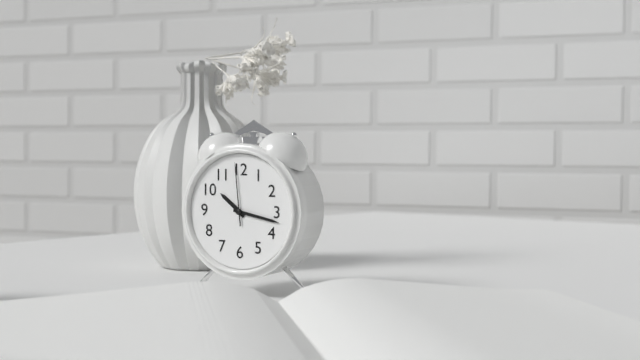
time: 10:17:59
